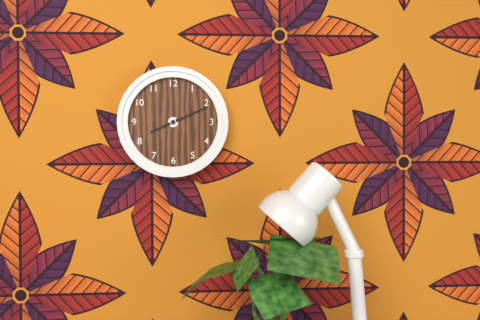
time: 8:11
